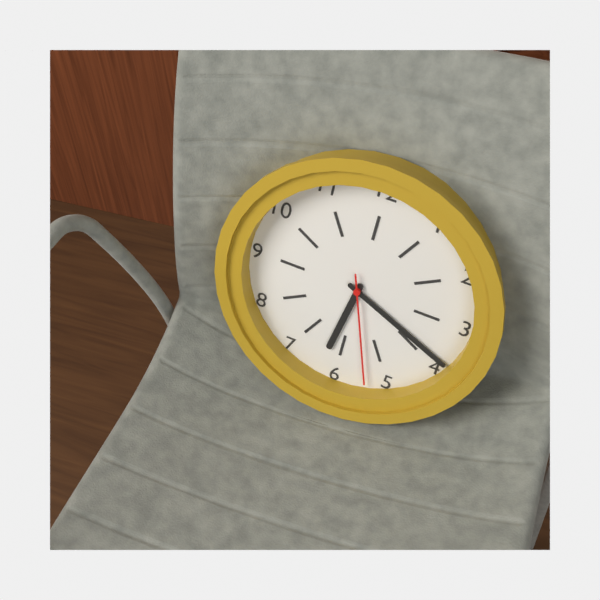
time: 6:19:27
